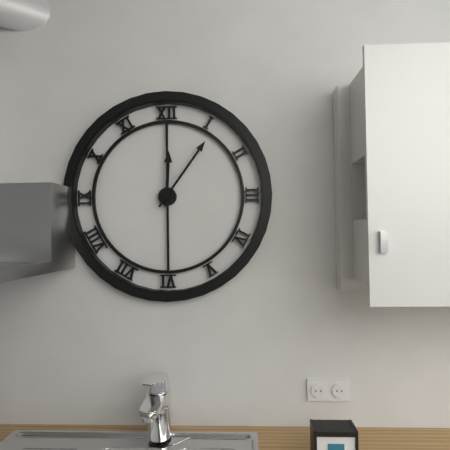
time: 12:06
